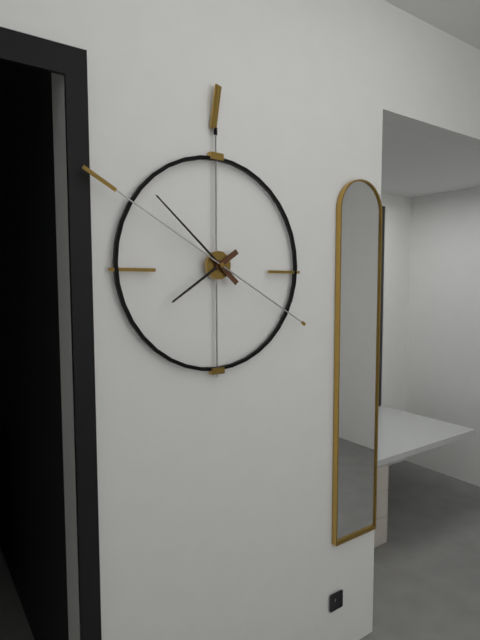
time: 7:52:50
